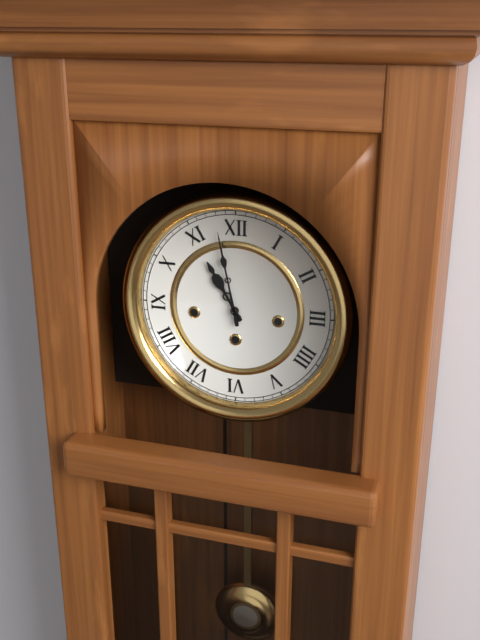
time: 10:58
